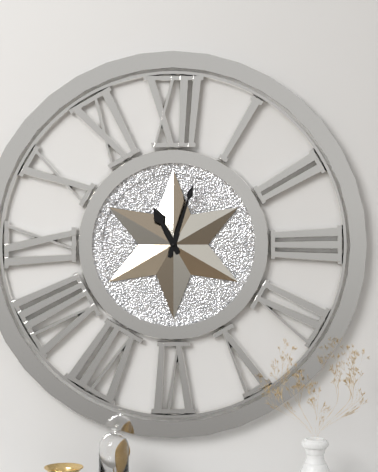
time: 11:03
